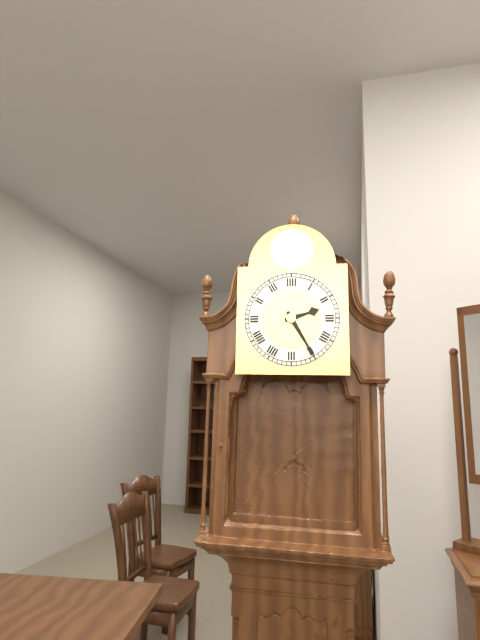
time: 2:25
